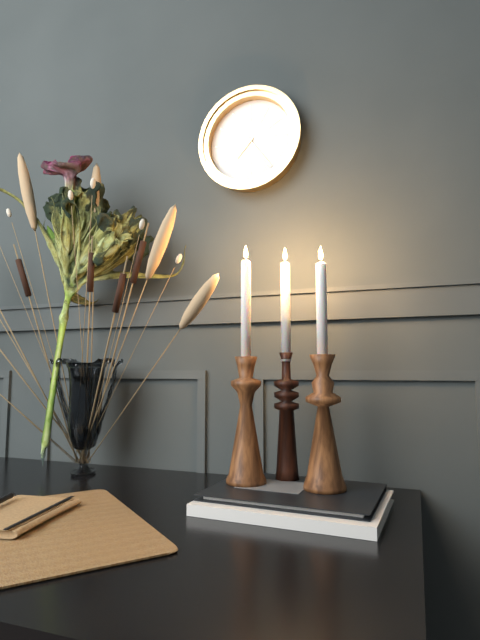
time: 7:24
